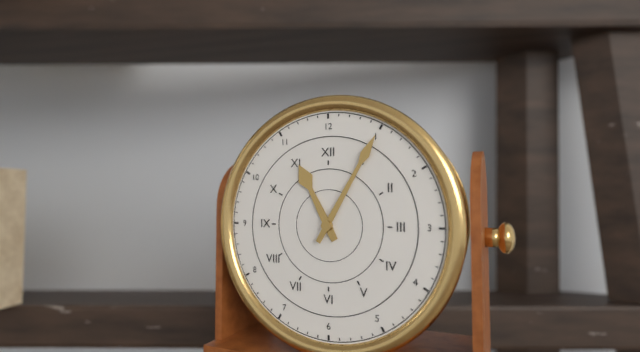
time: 11:05
